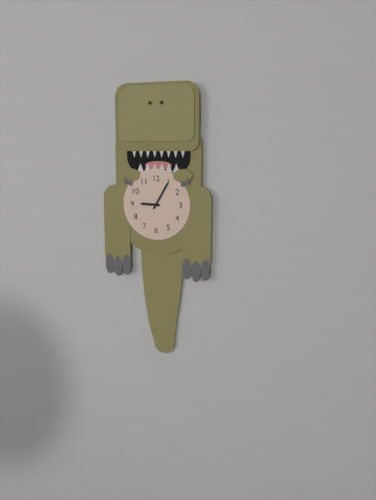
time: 9:05
